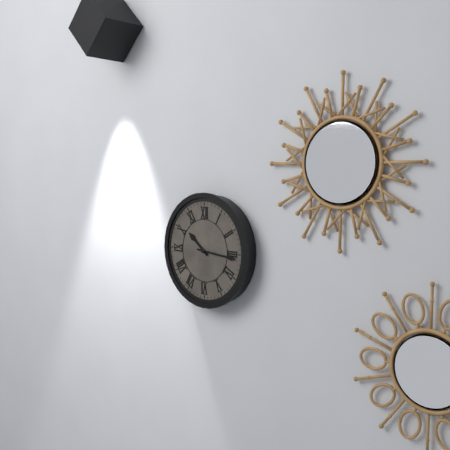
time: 10:16
